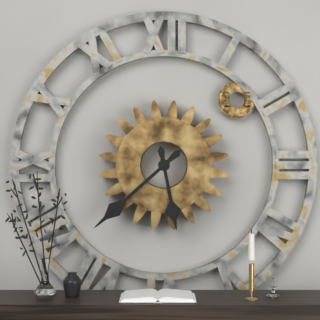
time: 5:38
